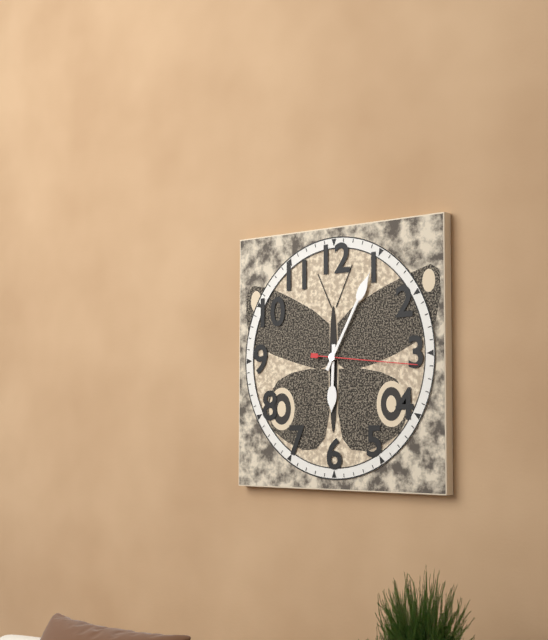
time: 6:05:16
